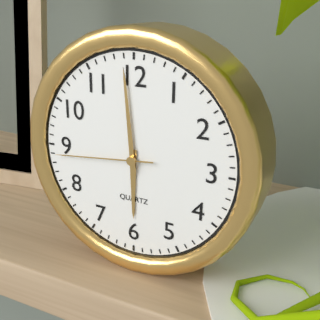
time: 5:59:44
